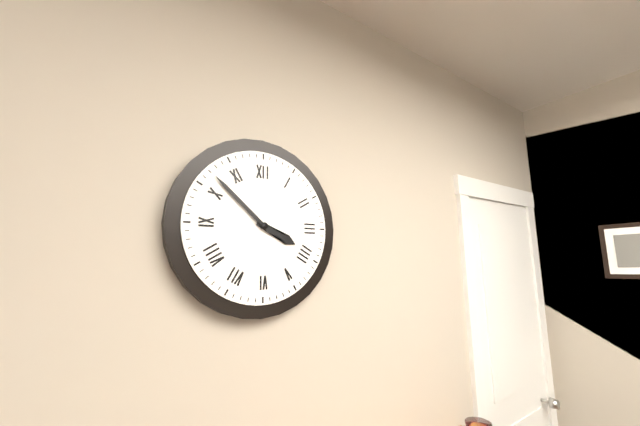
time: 3:52
